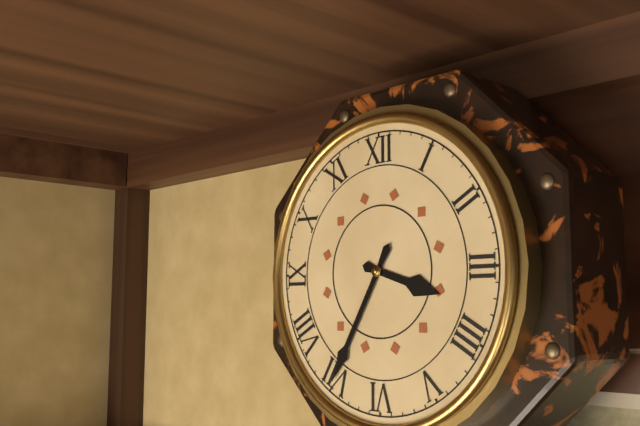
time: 3:35
